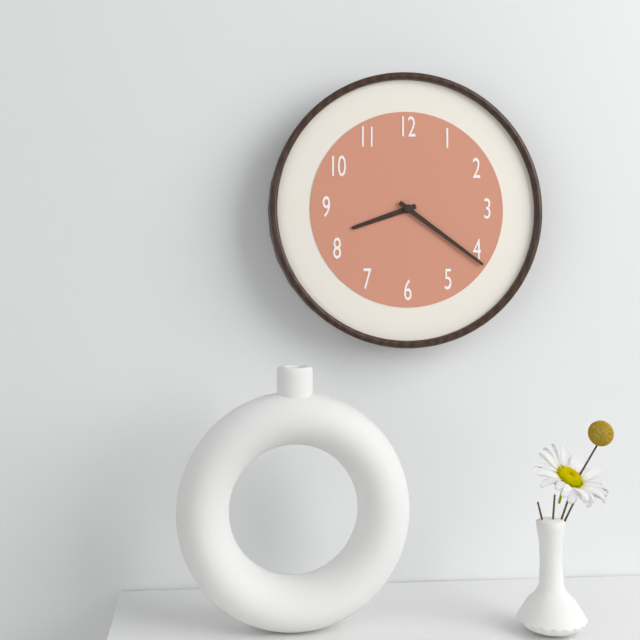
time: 8:21
